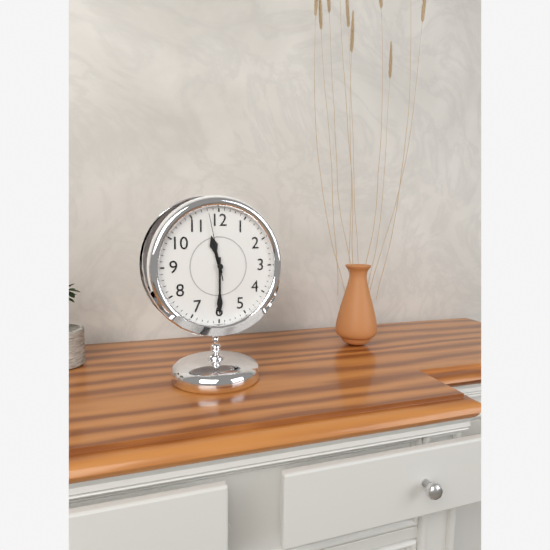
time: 11:30:58
